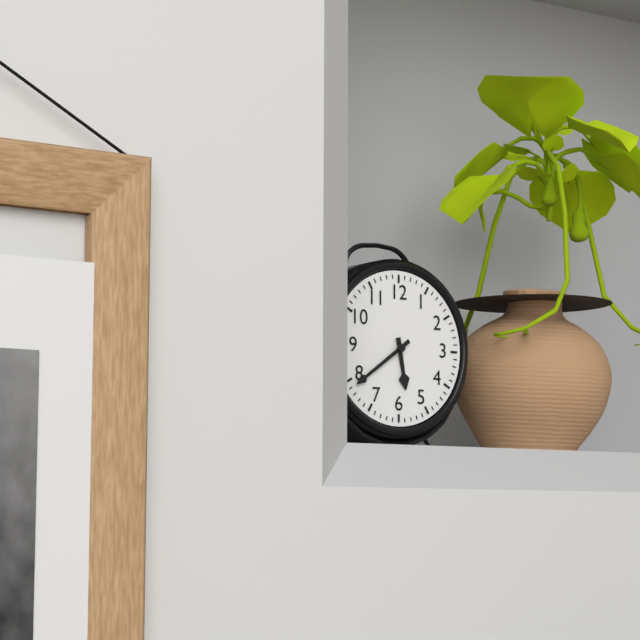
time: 5:39
